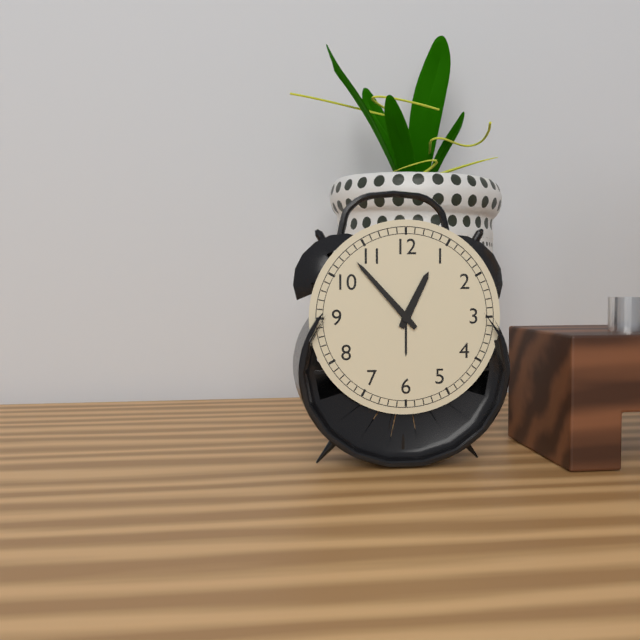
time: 12:53
